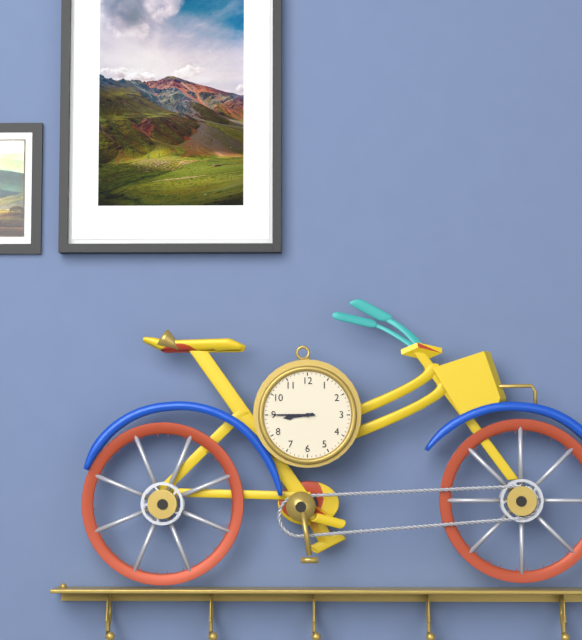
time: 8:45
